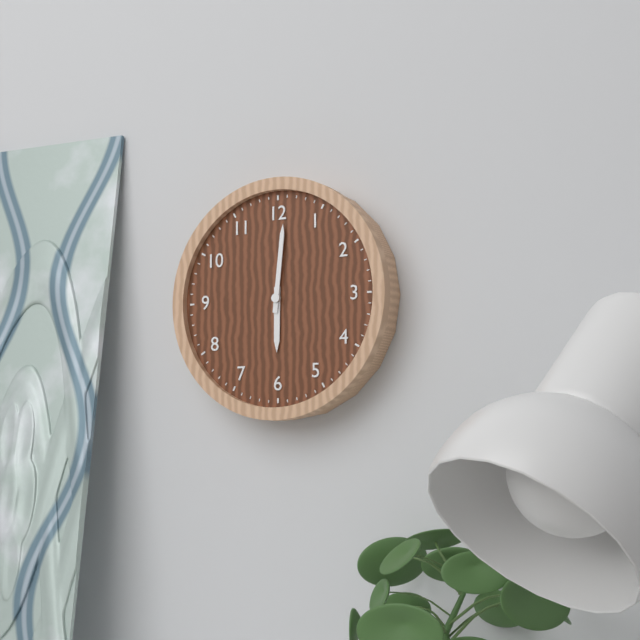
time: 6:01
